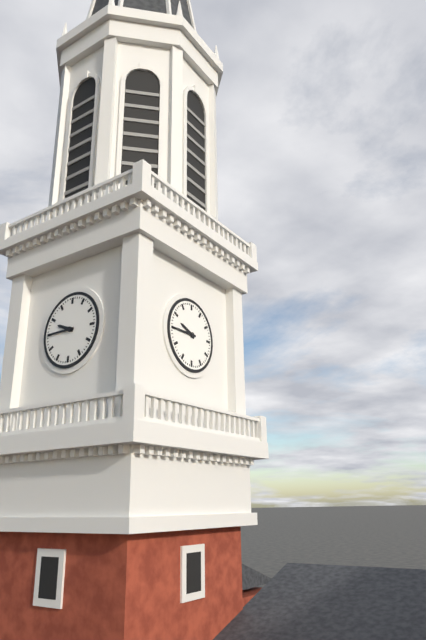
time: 9:45
